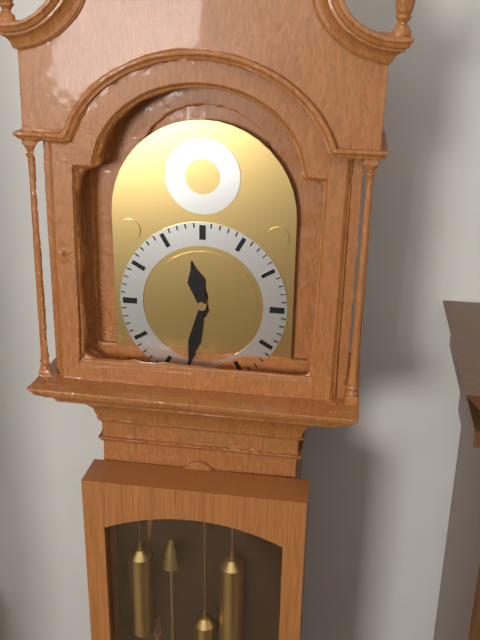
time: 11:32
